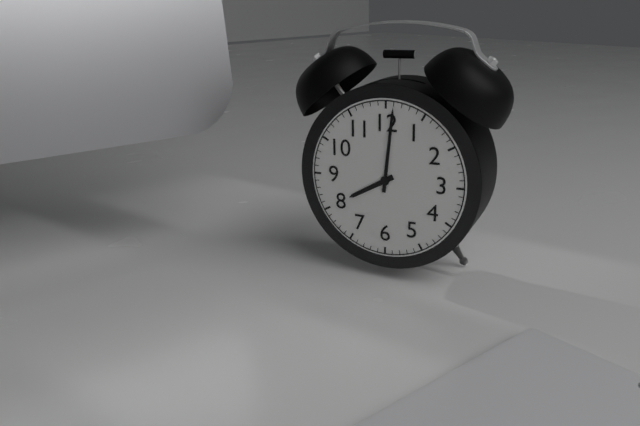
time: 8:01
